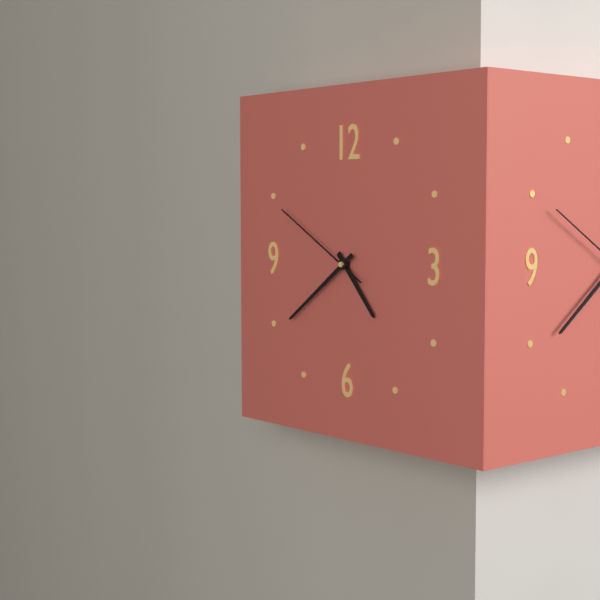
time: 4:39:50
